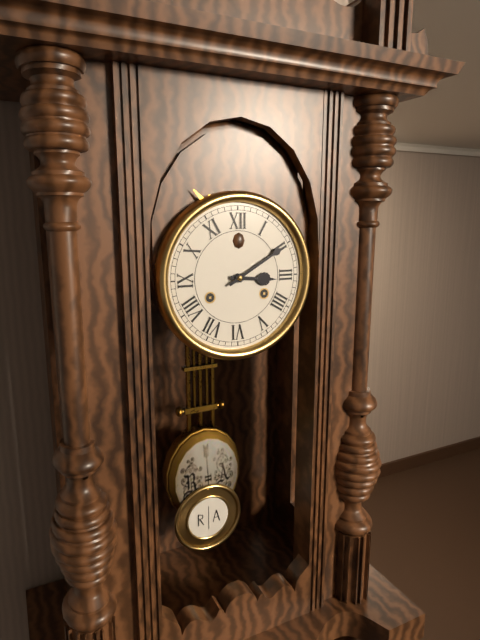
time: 3:10
